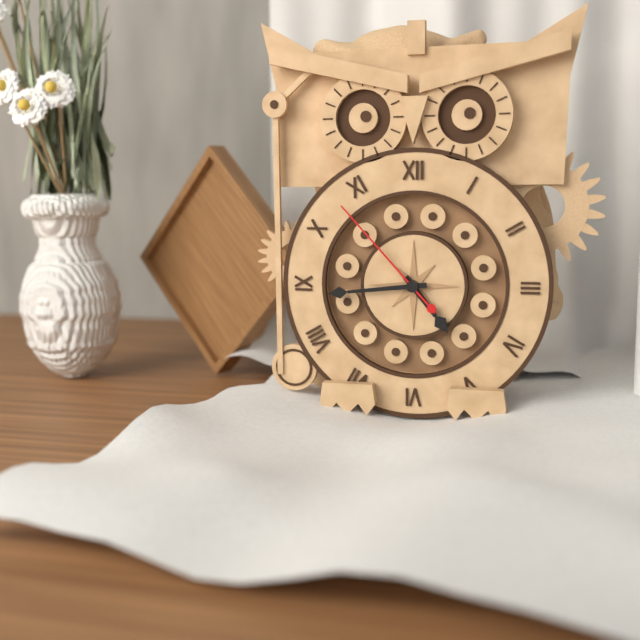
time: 4:44:53
